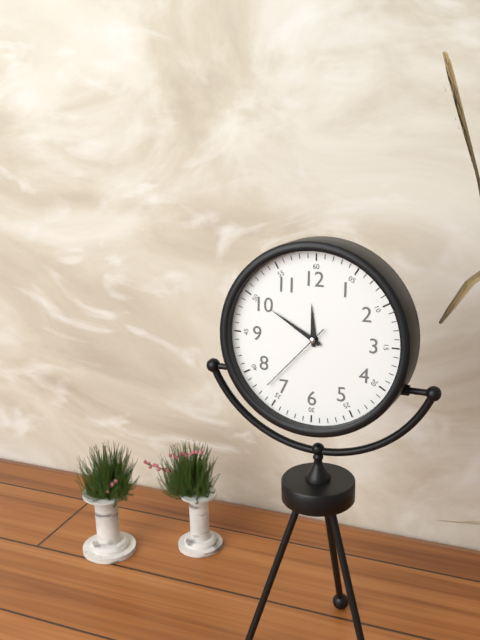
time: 11:50:37
